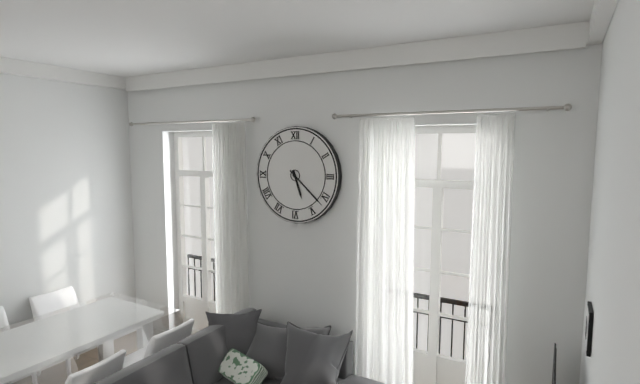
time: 5:22
